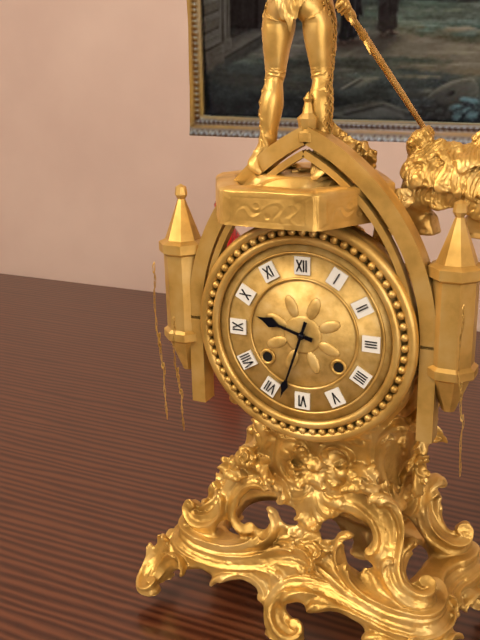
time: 9:33
